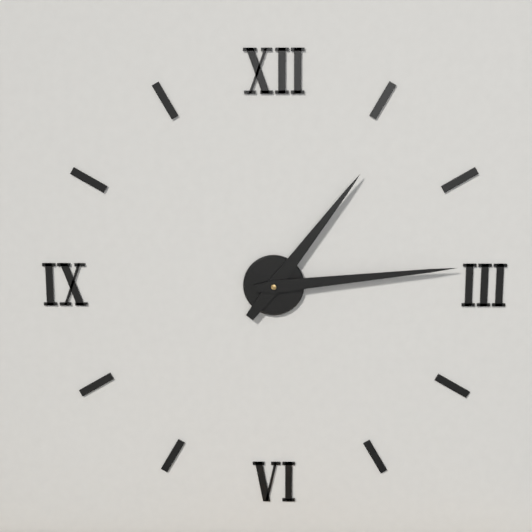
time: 1:14
